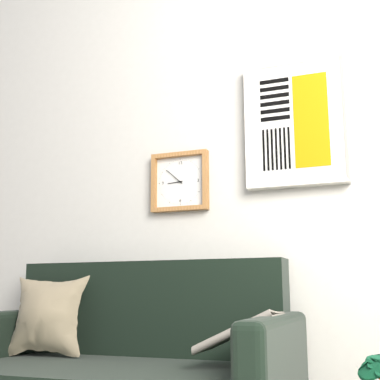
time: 8:52
